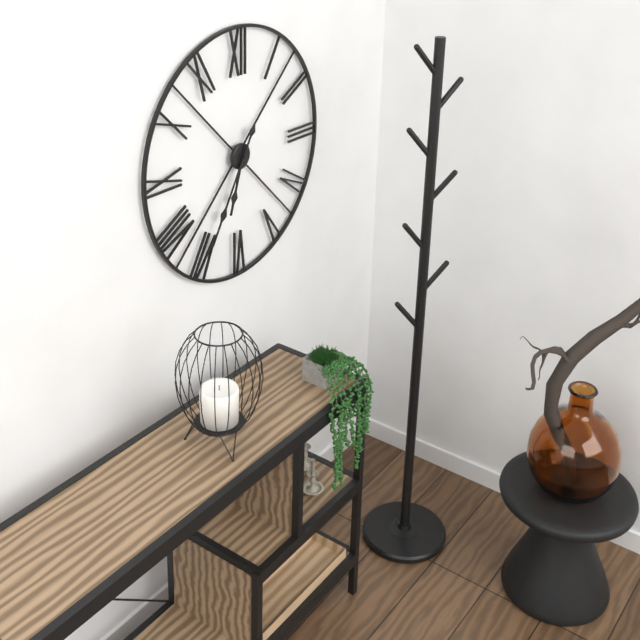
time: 6:35
